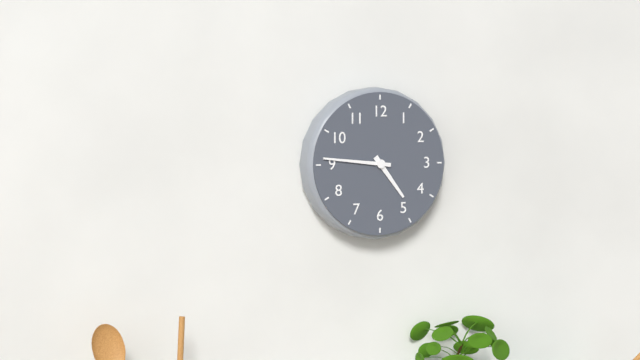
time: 4:46
